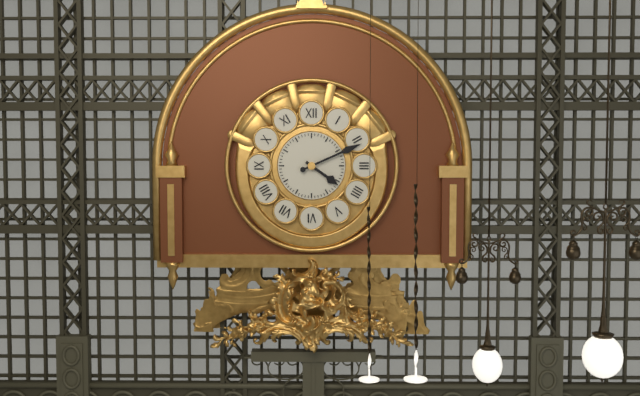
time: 4:11
